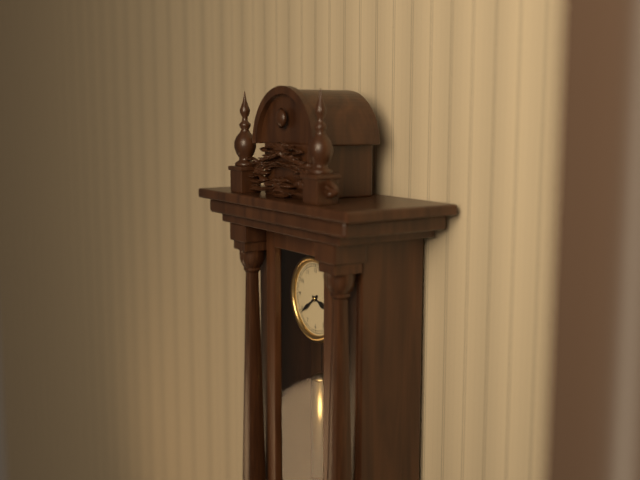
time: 3:39
